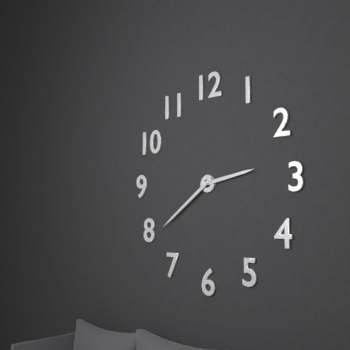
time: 2:39
